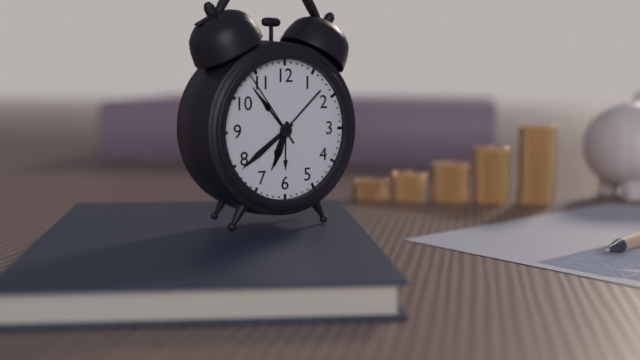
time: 6:39:54
